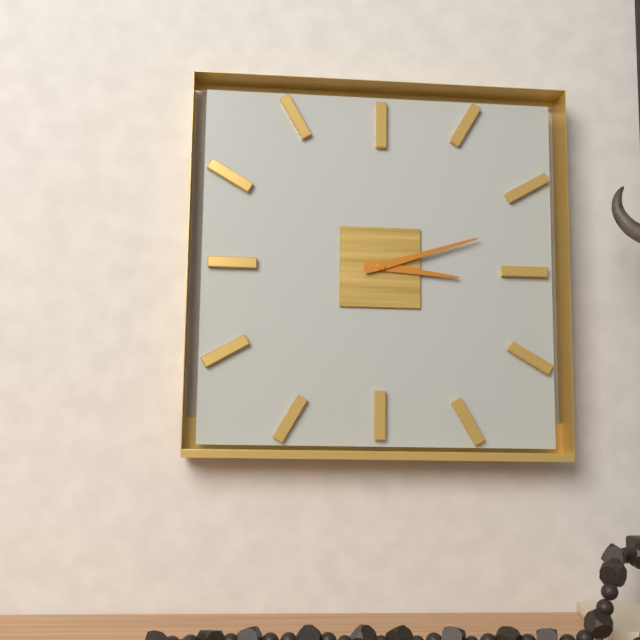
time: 3:12
